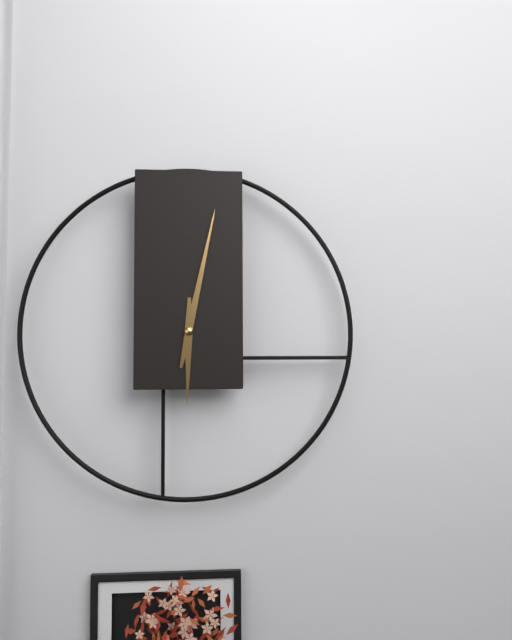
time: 6:02
